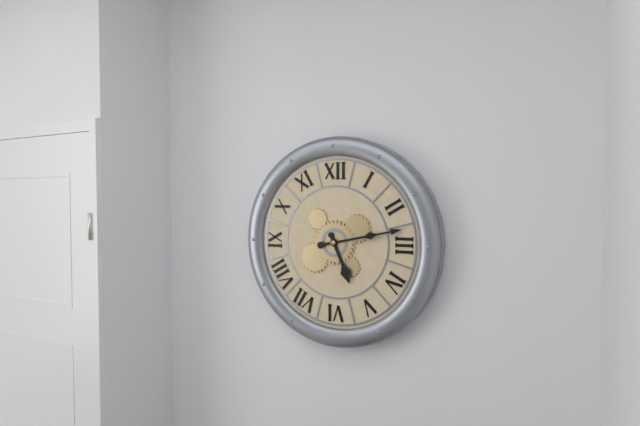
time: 5:13
